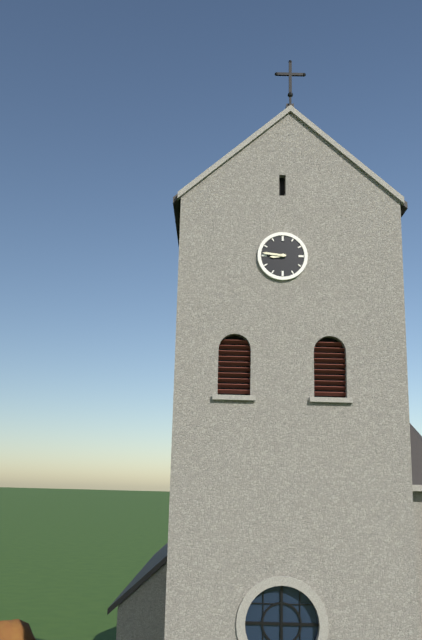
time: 8:46
